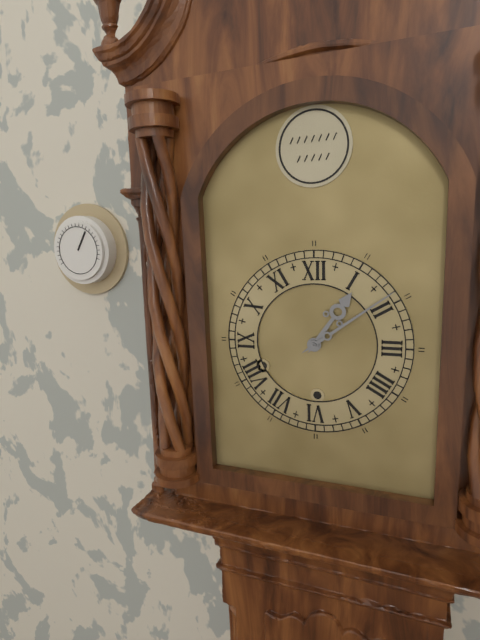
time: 1:09
